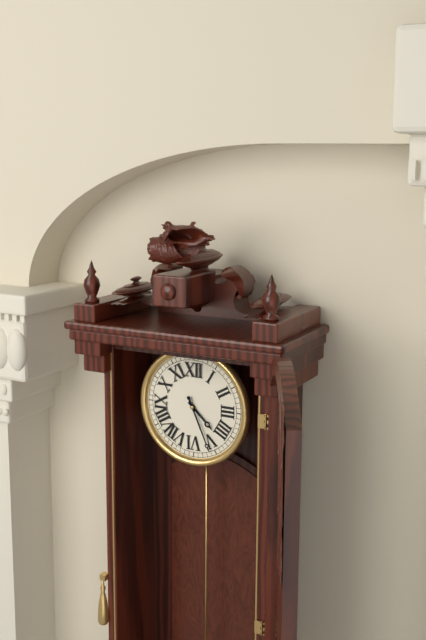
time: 4:26
